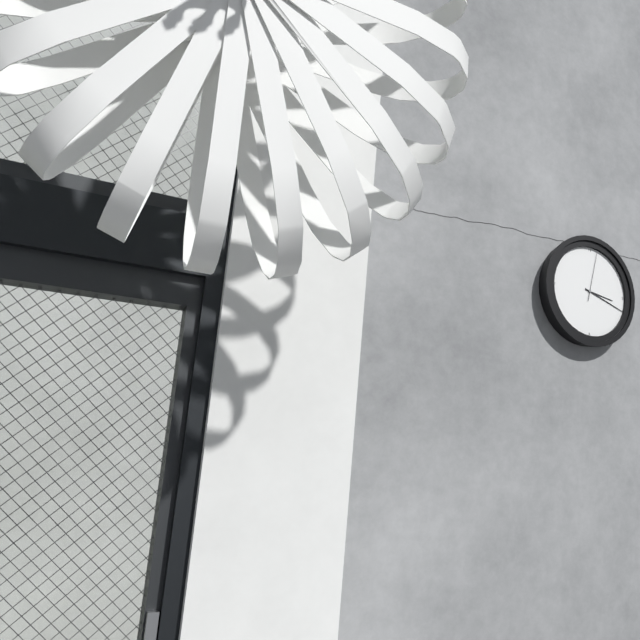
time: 3:18
